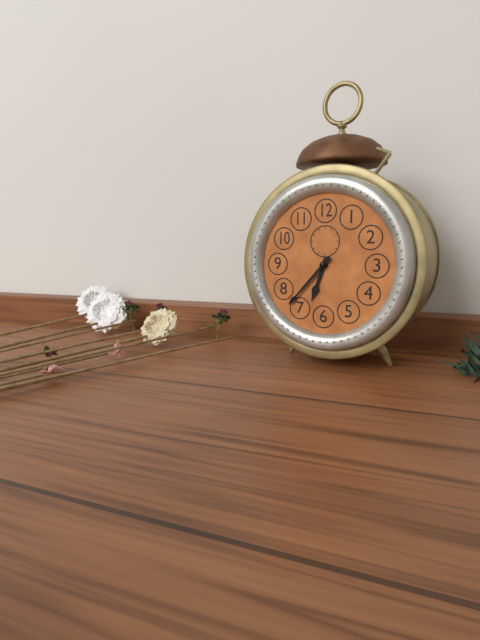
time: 6:37
